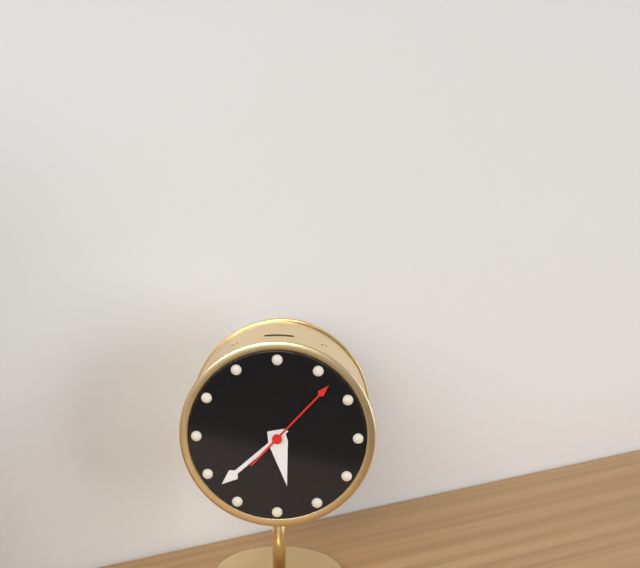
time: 5:38:07
